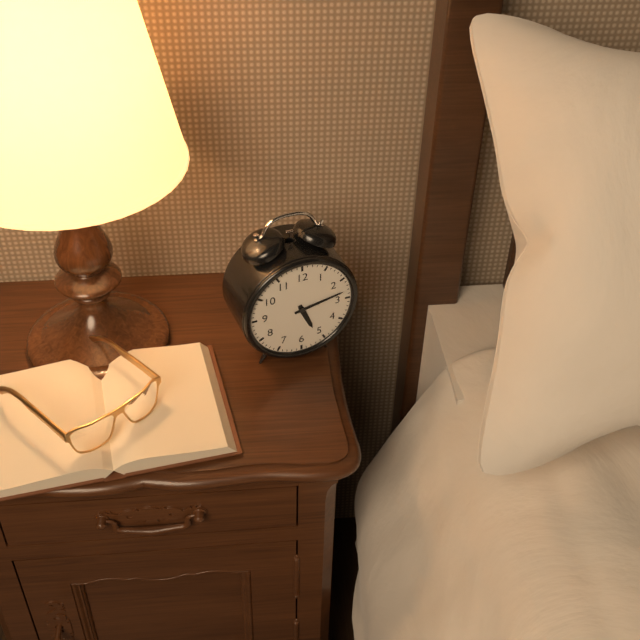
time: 5:13
